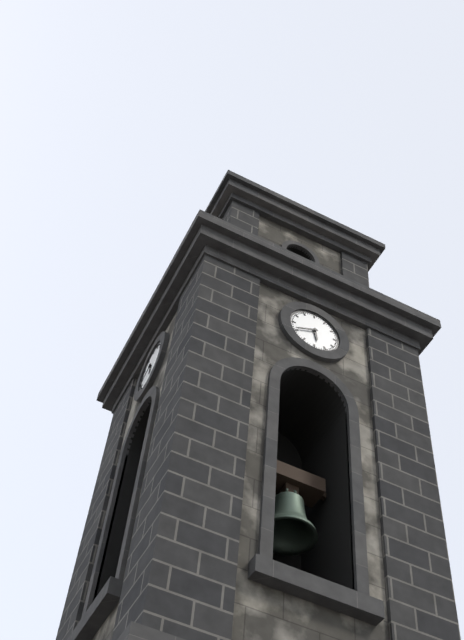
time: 5:41
